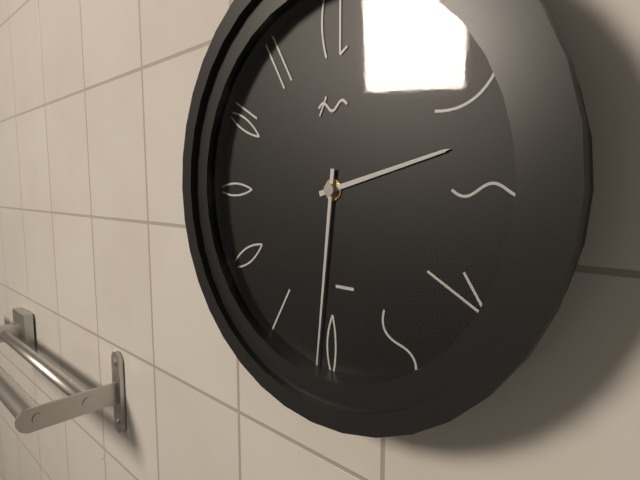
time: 2:31
